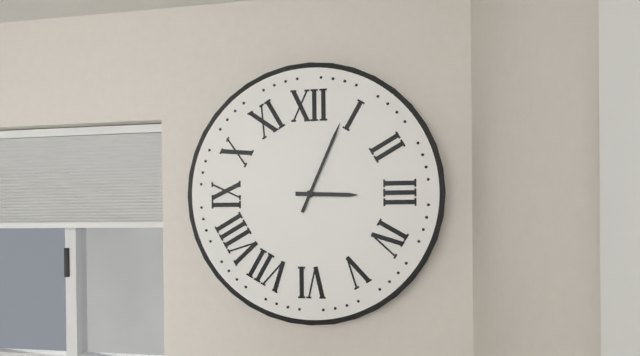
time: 3:04
